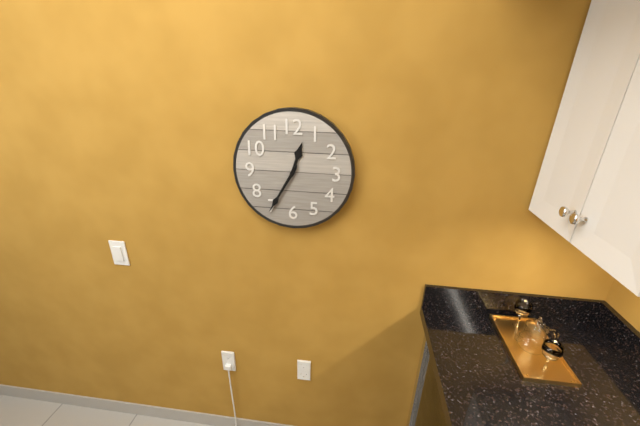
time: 12:35
